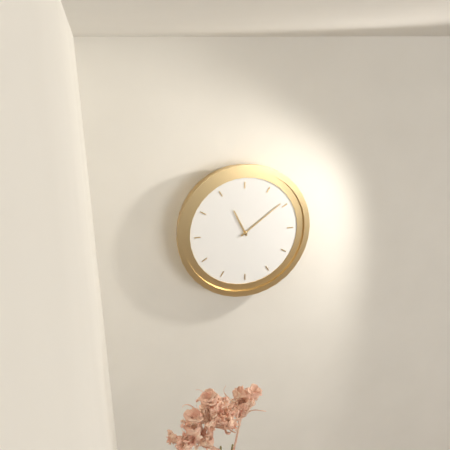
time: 11:09
